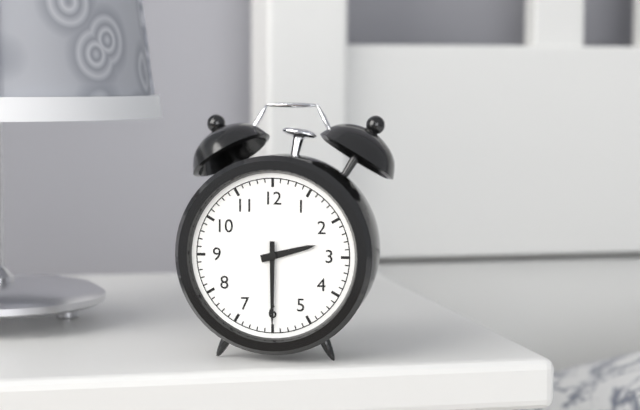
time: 2:30
